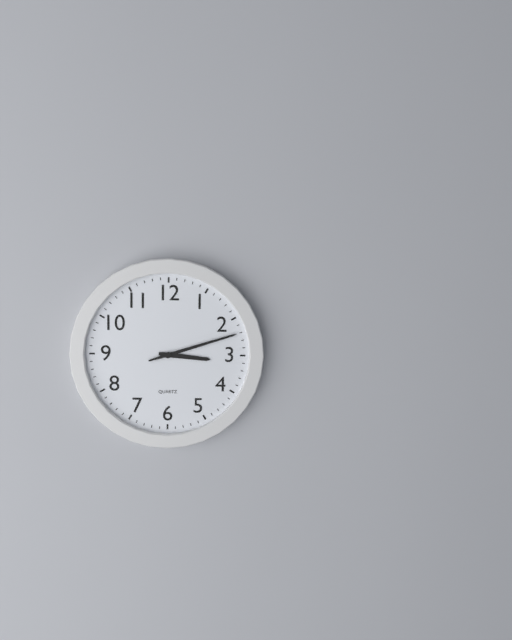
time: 3:12
